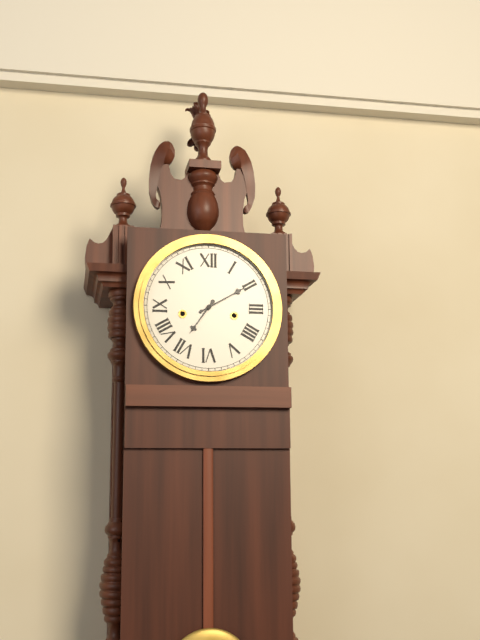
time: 7:10
